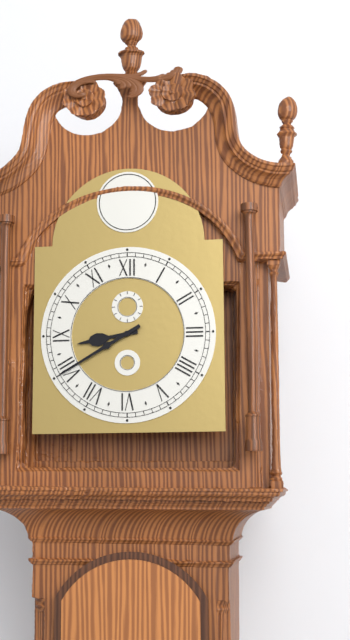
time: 8:40
